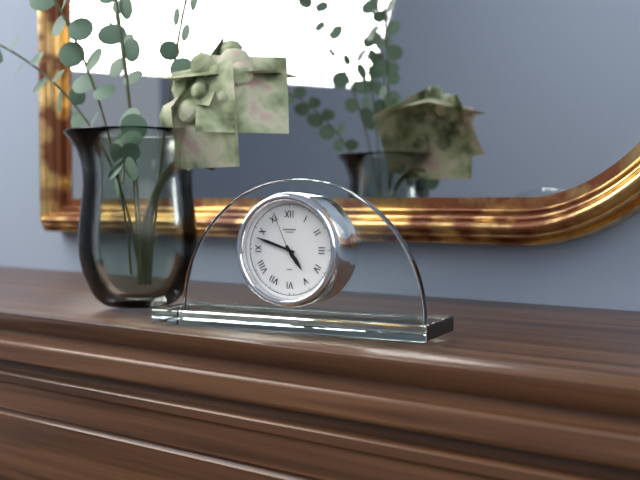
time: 4:48:56
